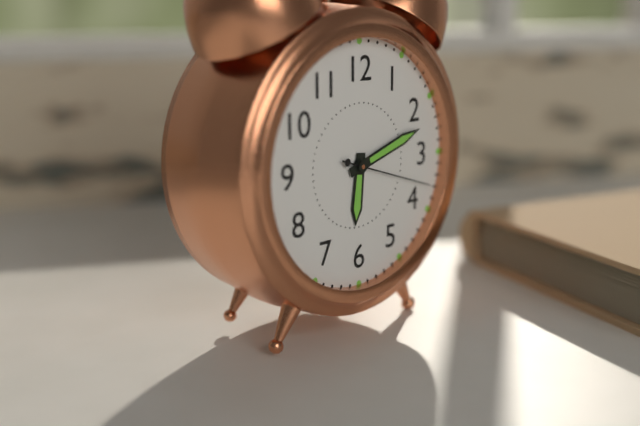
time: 6:12:18
